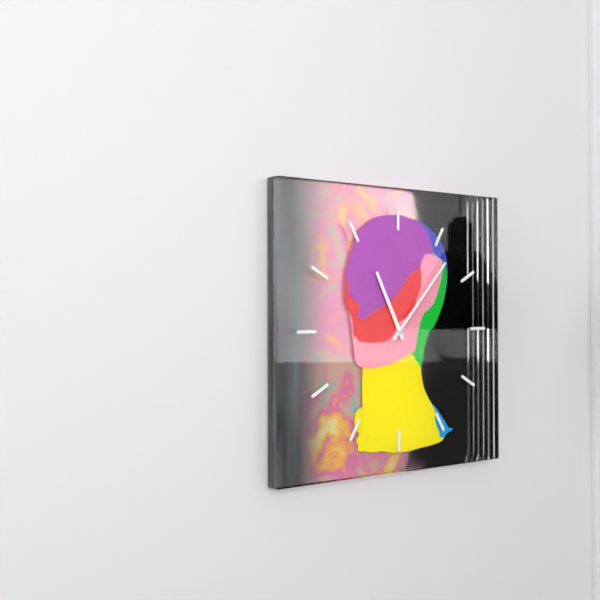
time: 11:07
